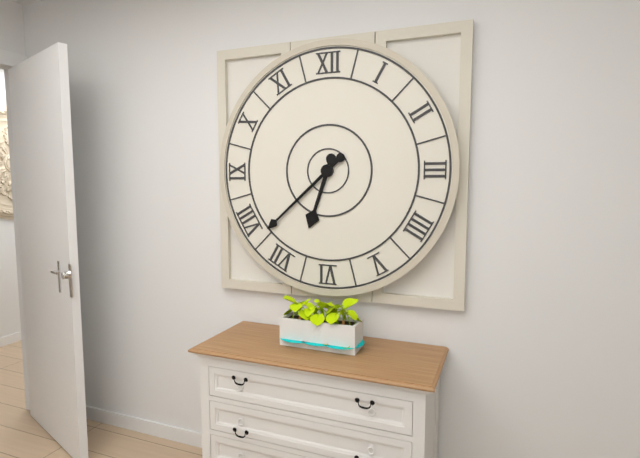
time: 6:38
